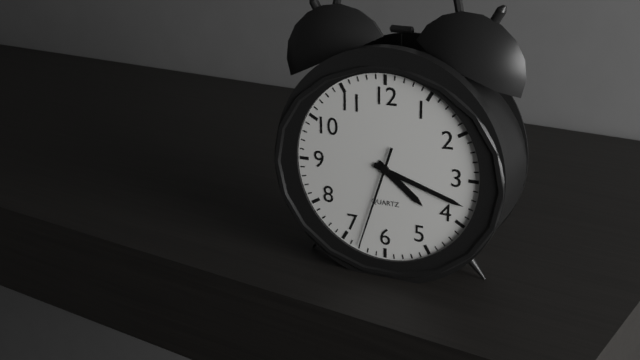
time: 4:18:33
